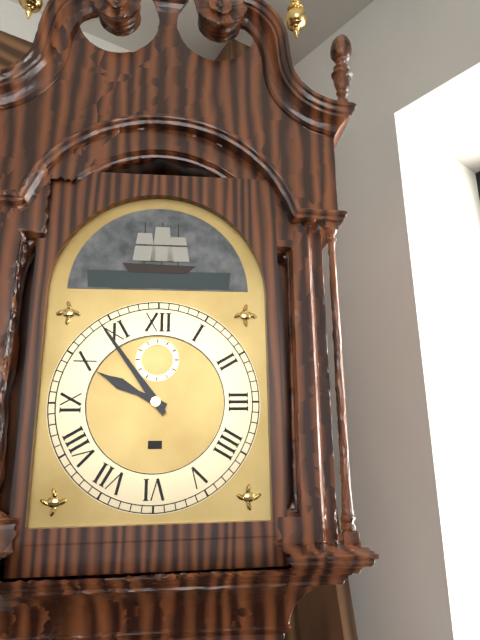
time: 9:54
